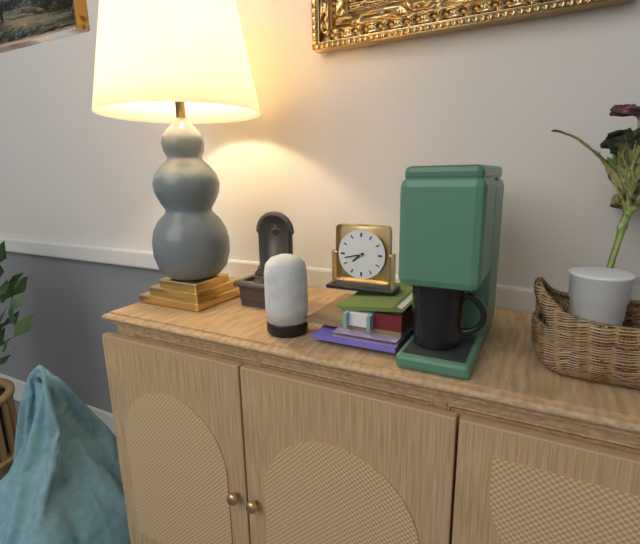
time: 7:43
